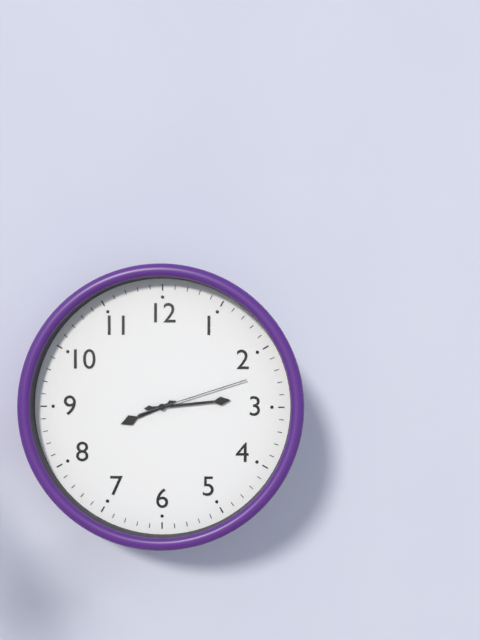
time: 8:14:12
